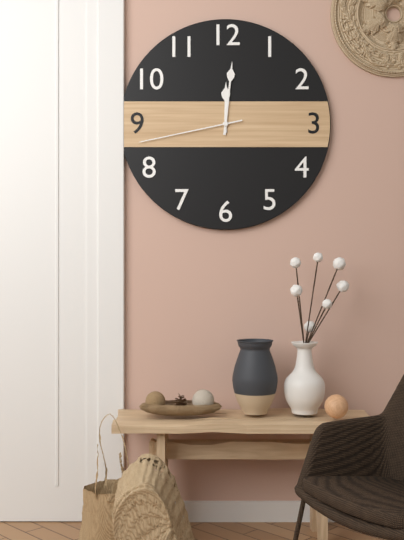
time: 12:01:43
